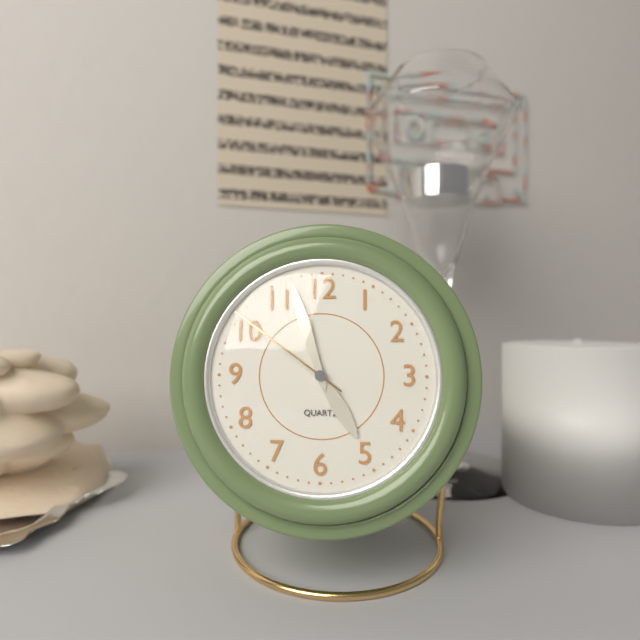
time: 4:57:51
